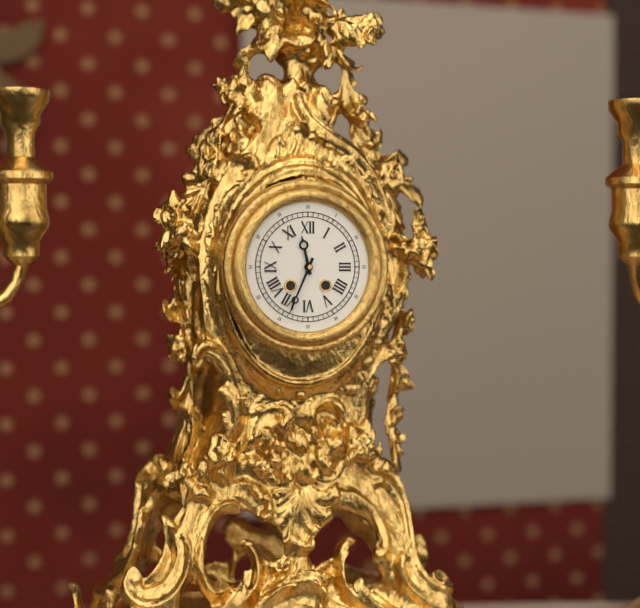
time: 11:34
